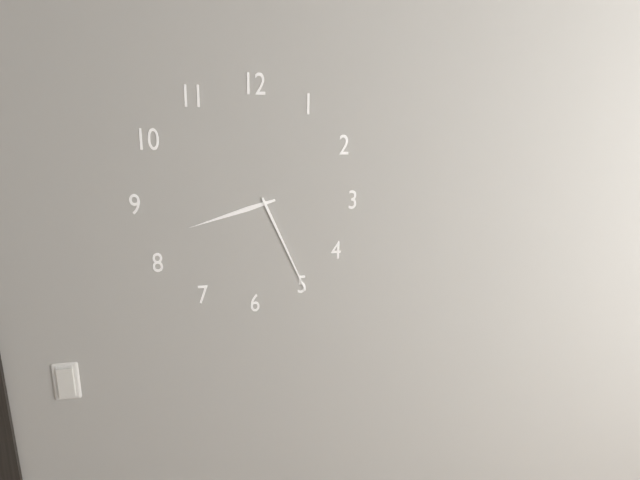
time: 8:26
